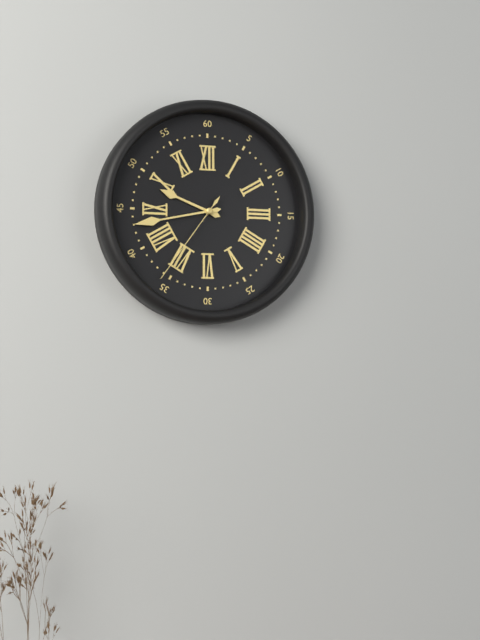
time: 9:43:36
